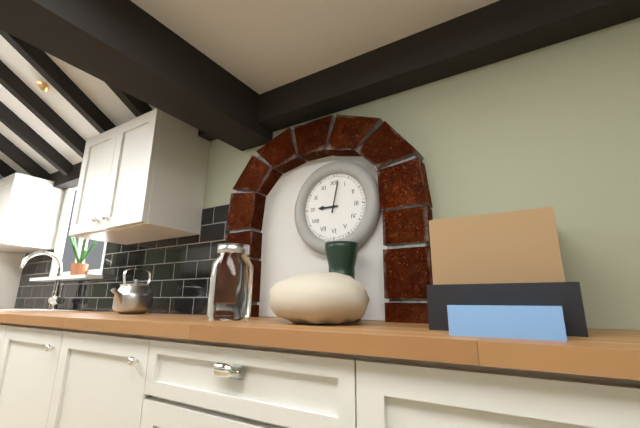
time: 9:02
